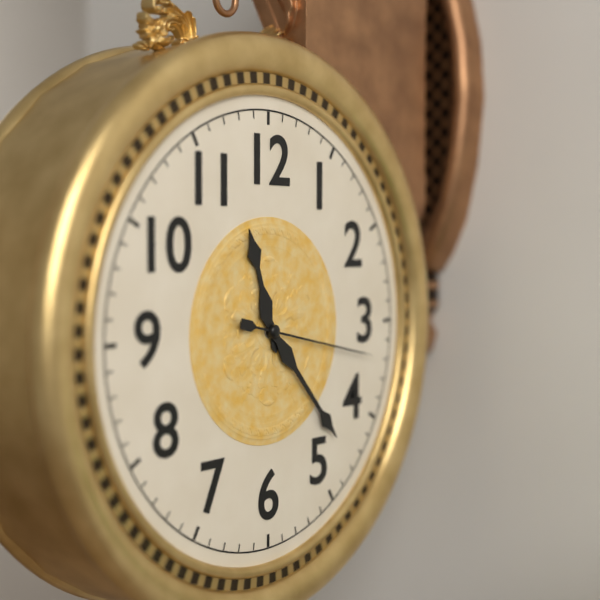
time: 11:23:17
